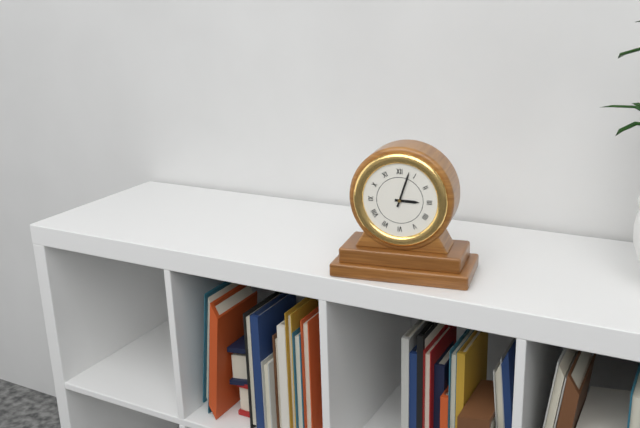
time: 3:03
